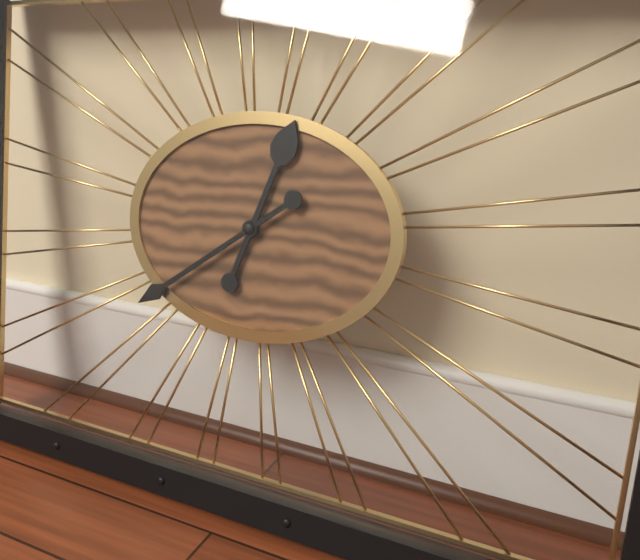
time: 12:39
